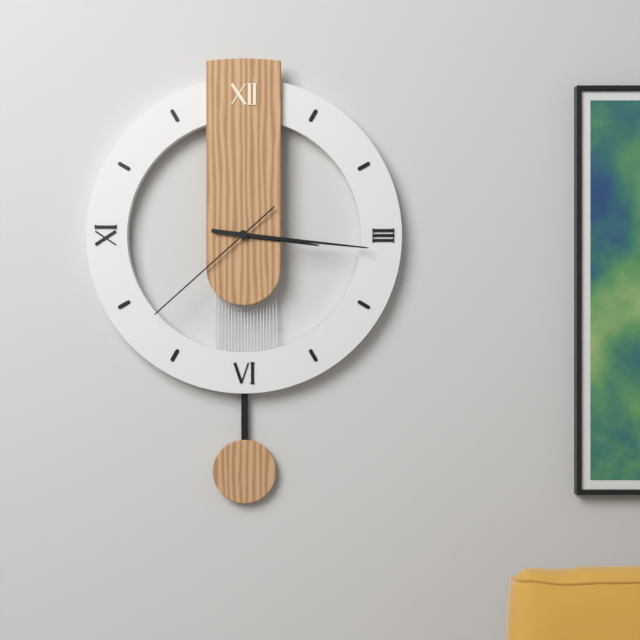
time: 3:16:38
